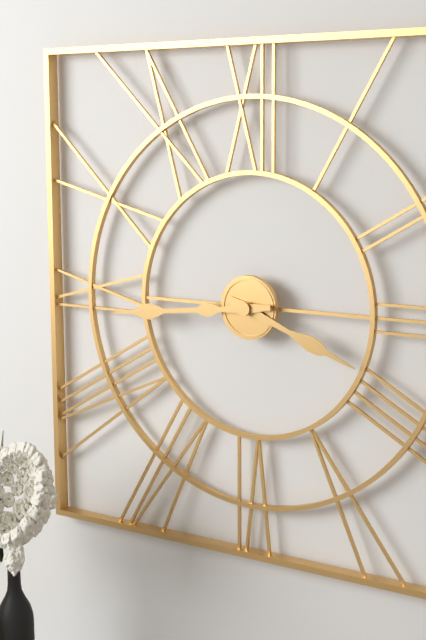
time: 3:44
